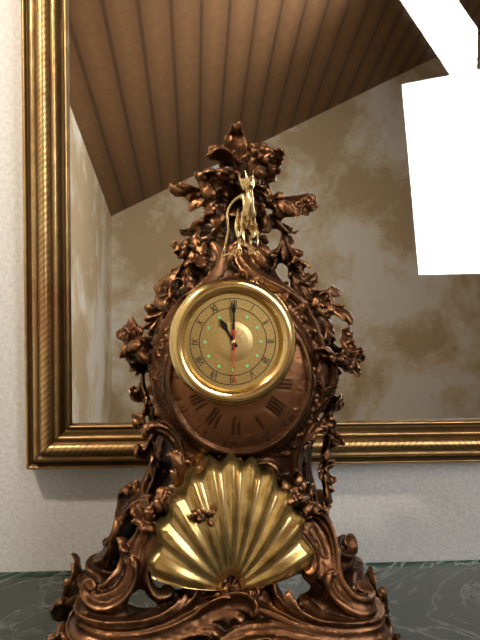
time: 11:00:30
